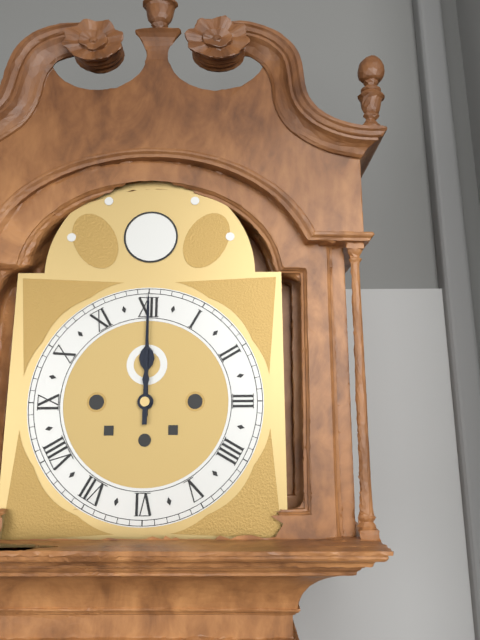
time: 12:00
